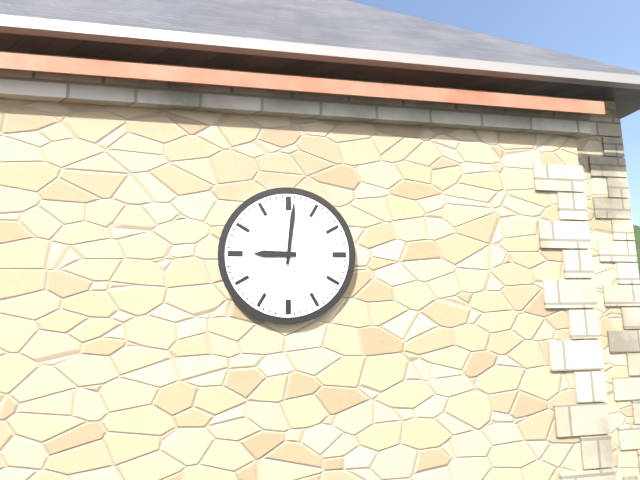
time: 9:01
